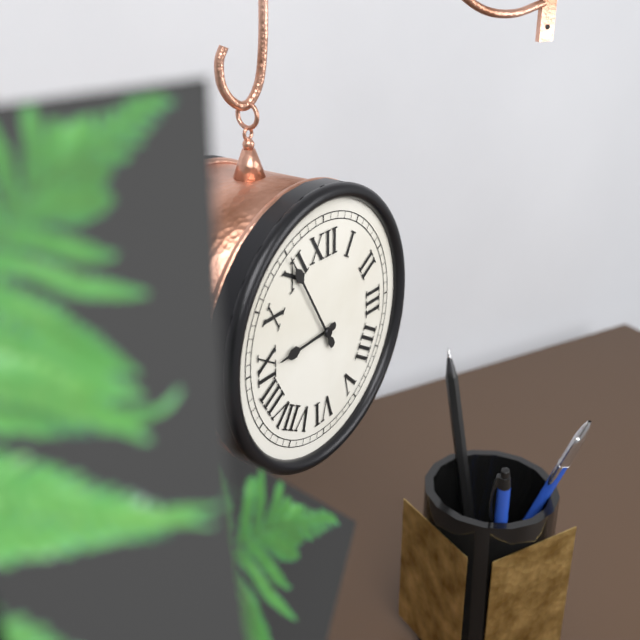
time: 8:55
